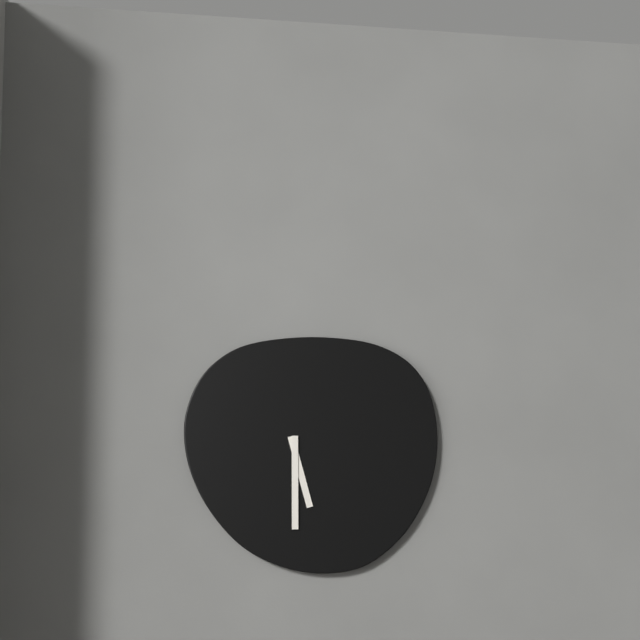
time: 5:30
